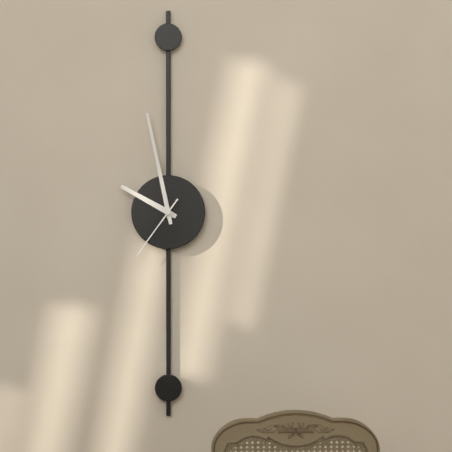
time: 9:58:36
